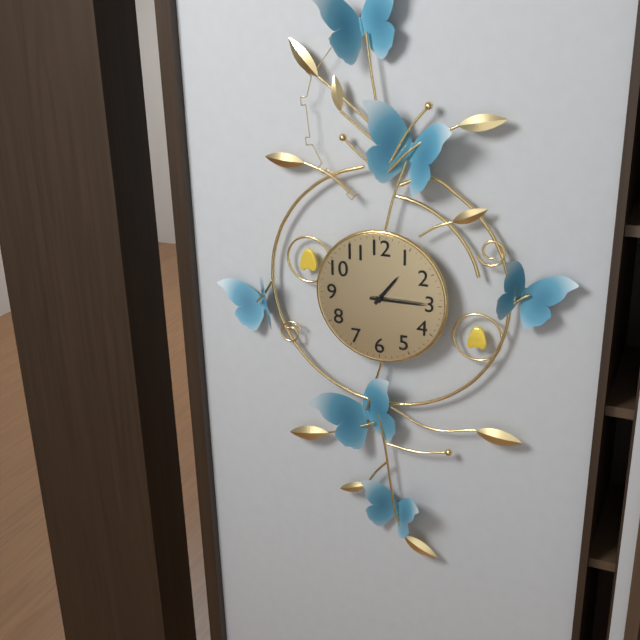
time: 1:15
